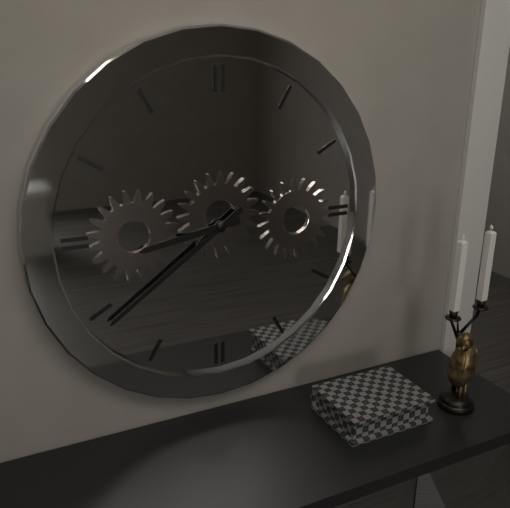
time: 8:39
